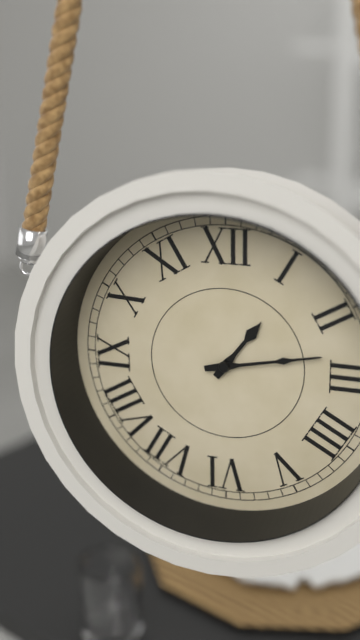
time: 1:13
